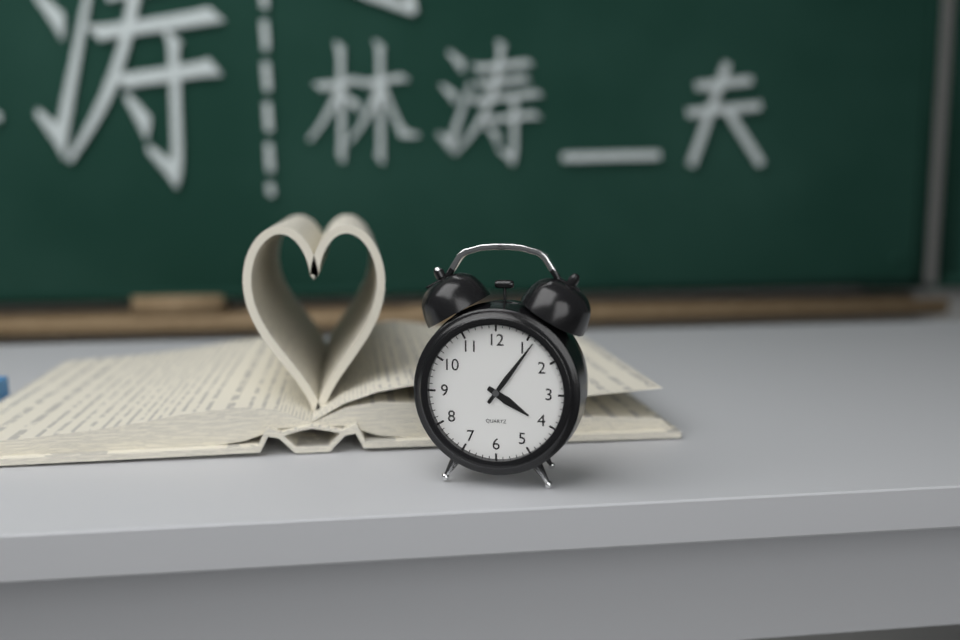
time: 4:06
